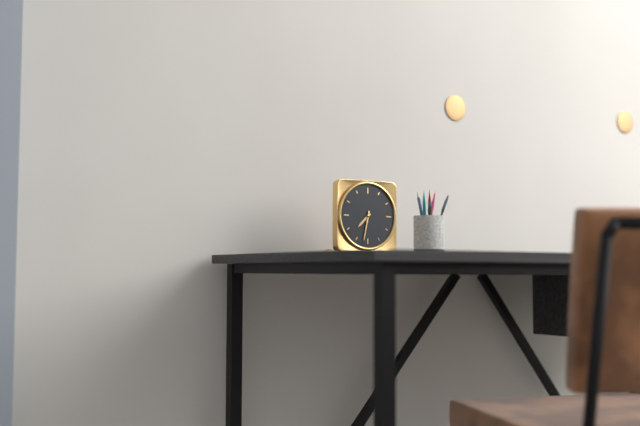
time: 7:32
